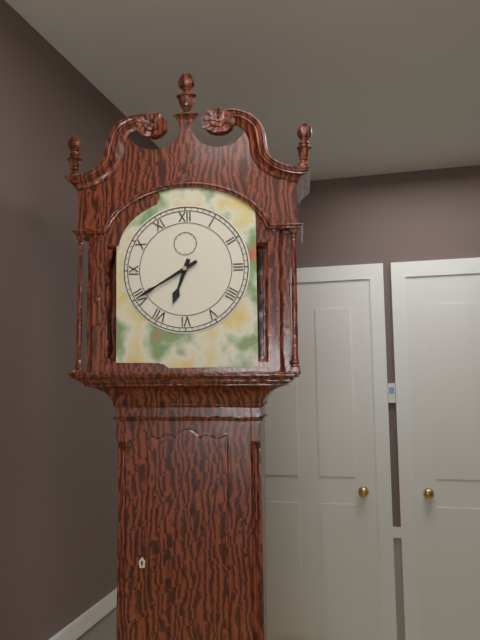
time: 6:40
